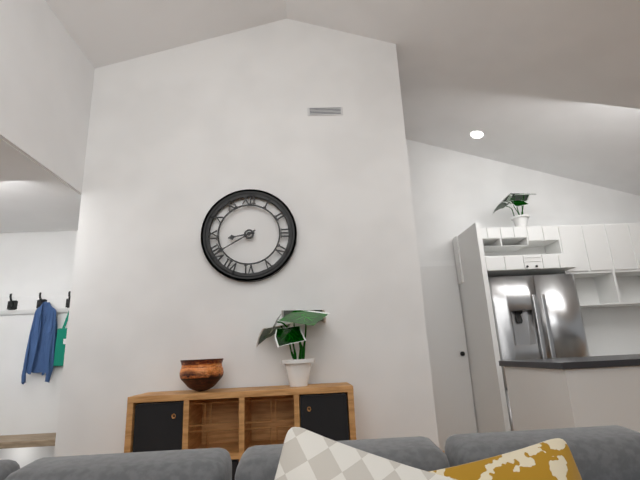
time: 8:40
